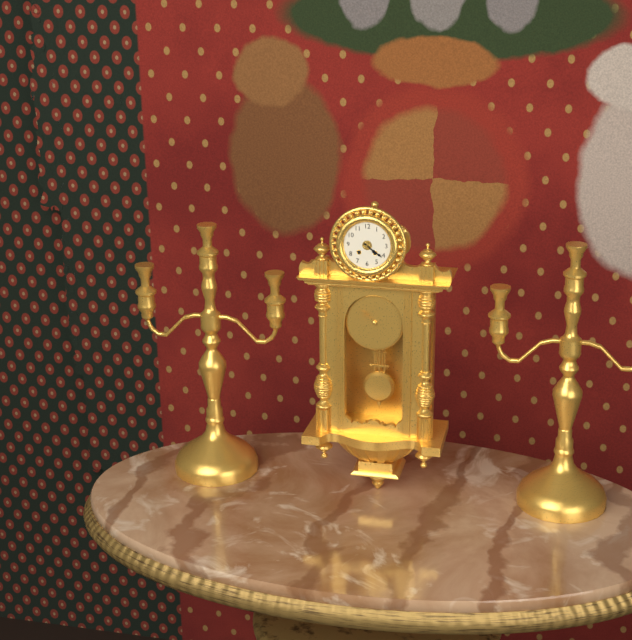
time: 4:21
